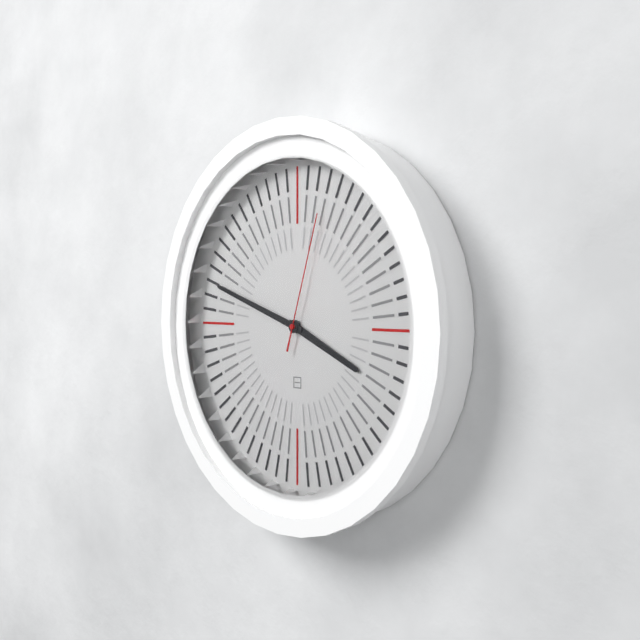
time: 3:48:03
